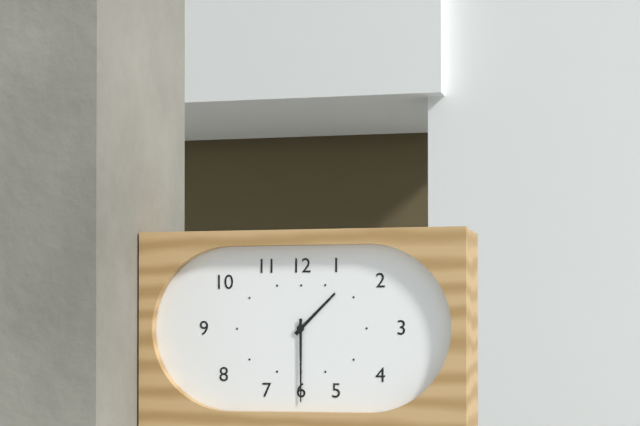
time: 1:30
